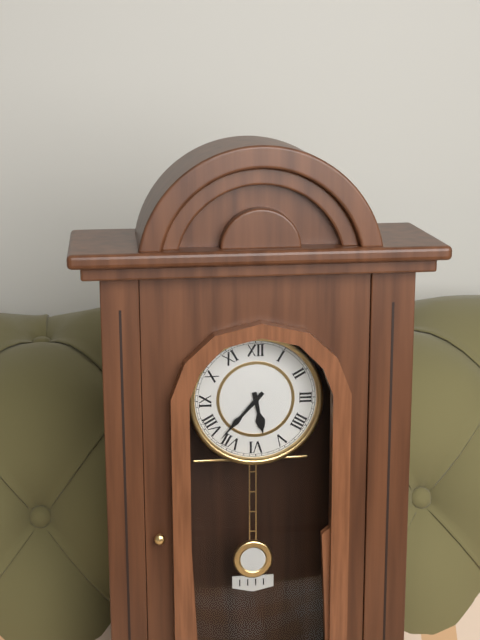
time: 5:37
